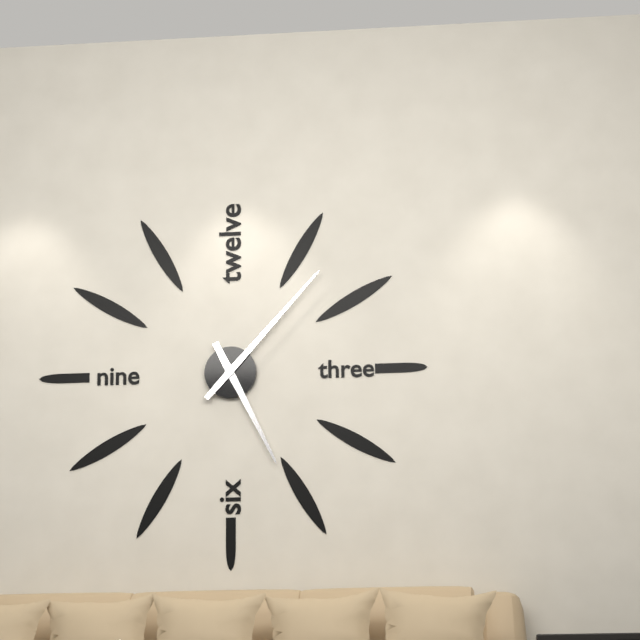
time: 5:07
